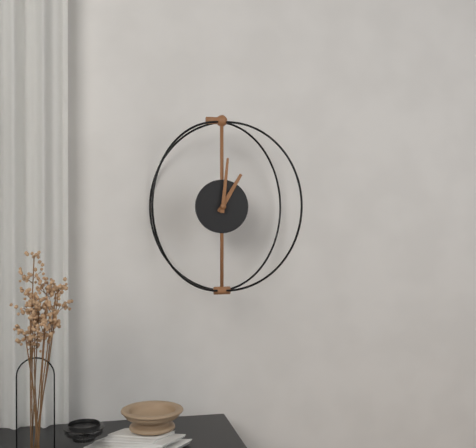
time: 1:01
